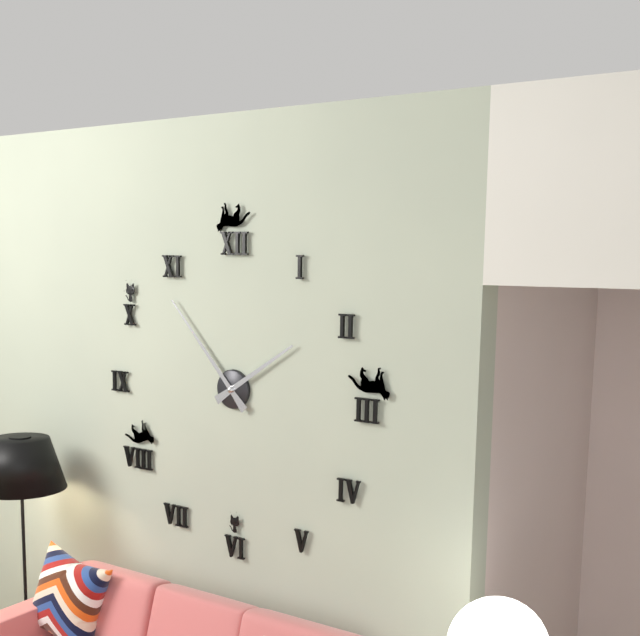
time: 1:53
